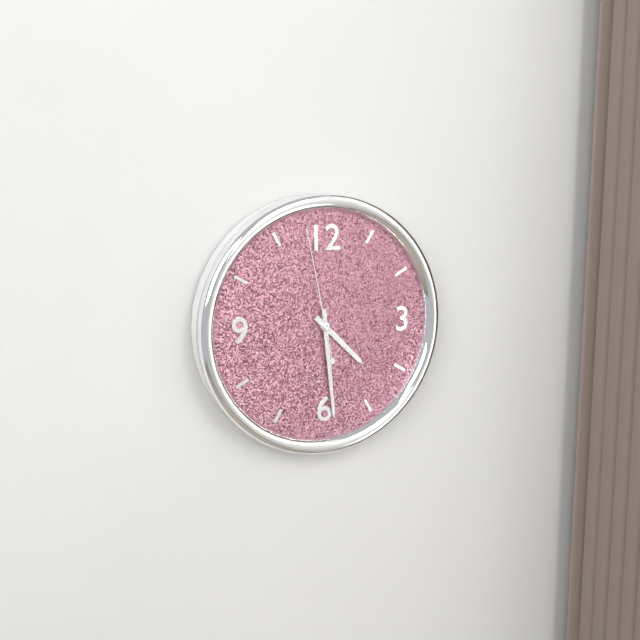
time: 4:29:58
